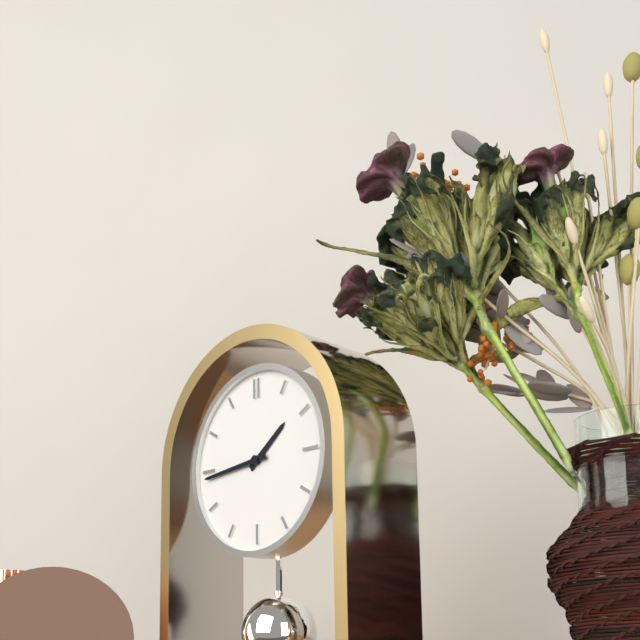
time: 1:44
